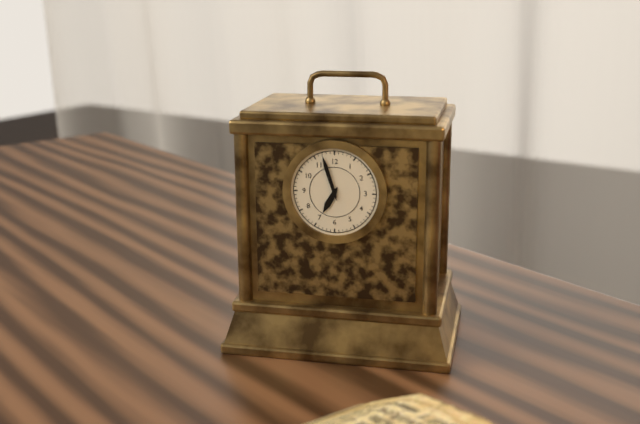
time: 6:57
